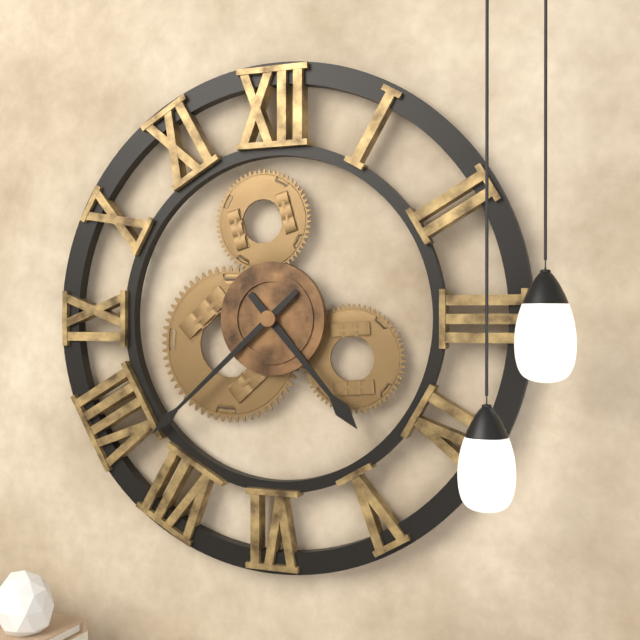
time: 4:38
